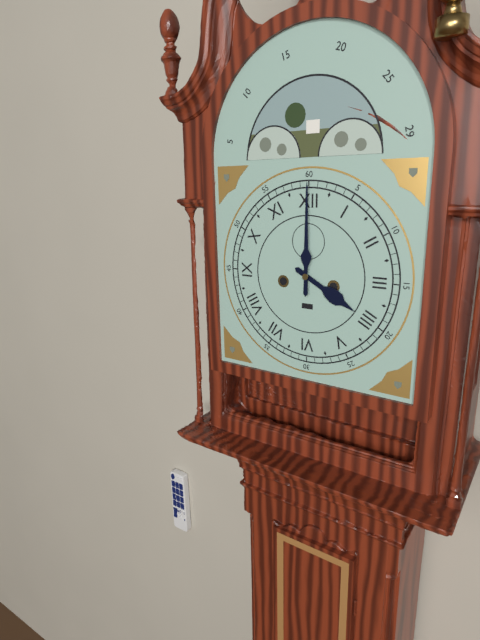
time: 4:00
